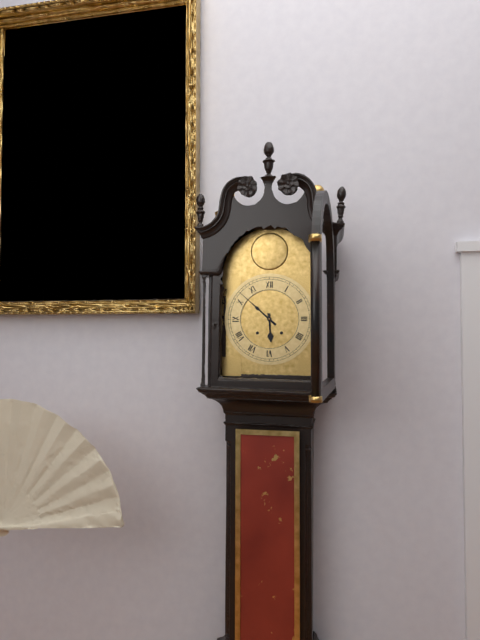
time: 5:52
